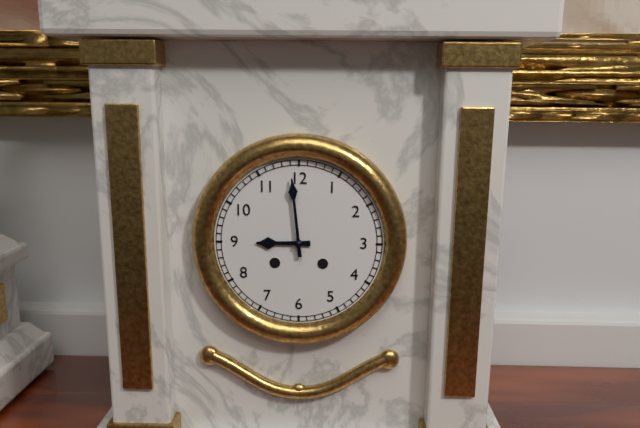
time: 8:59
